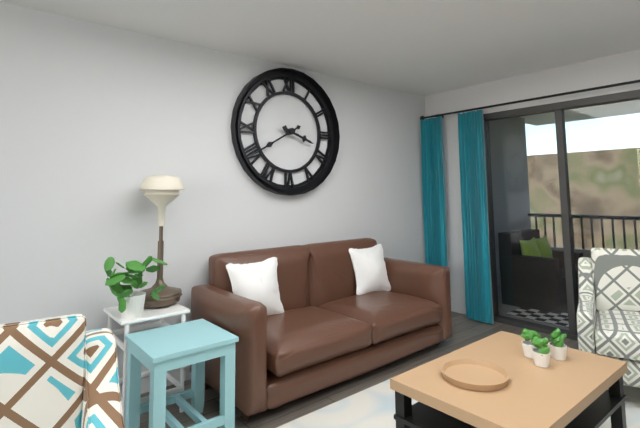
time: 3:40
